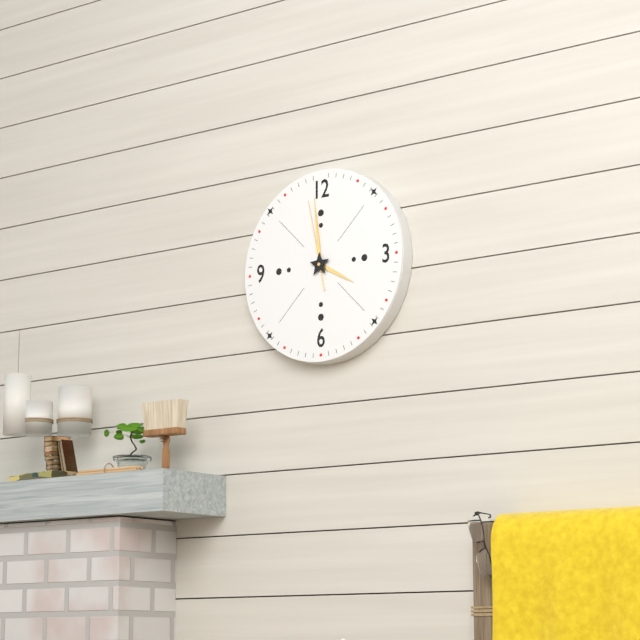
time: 3:59:58
